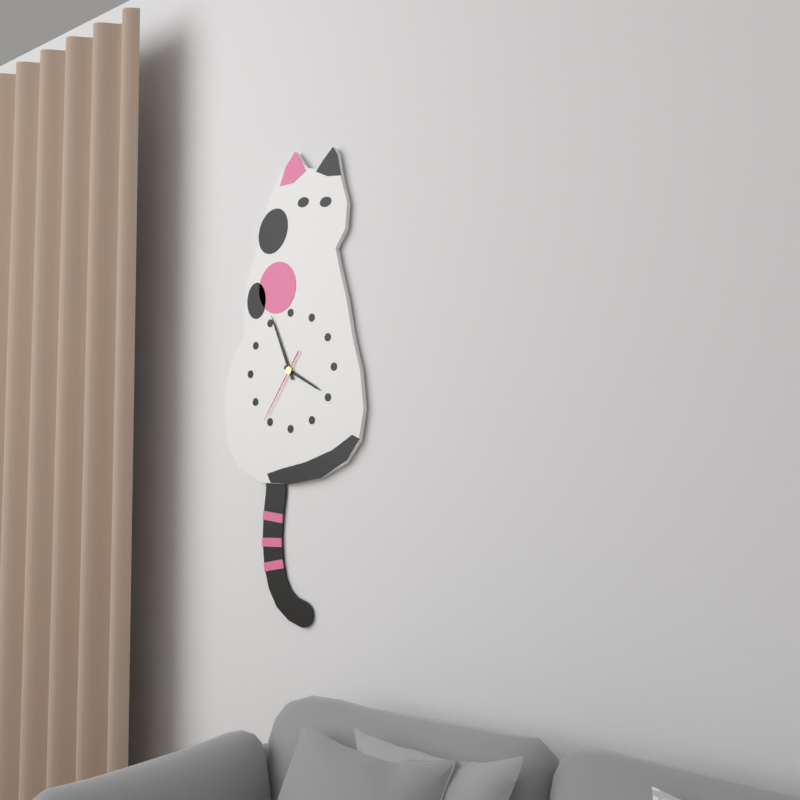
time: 3:56:36
